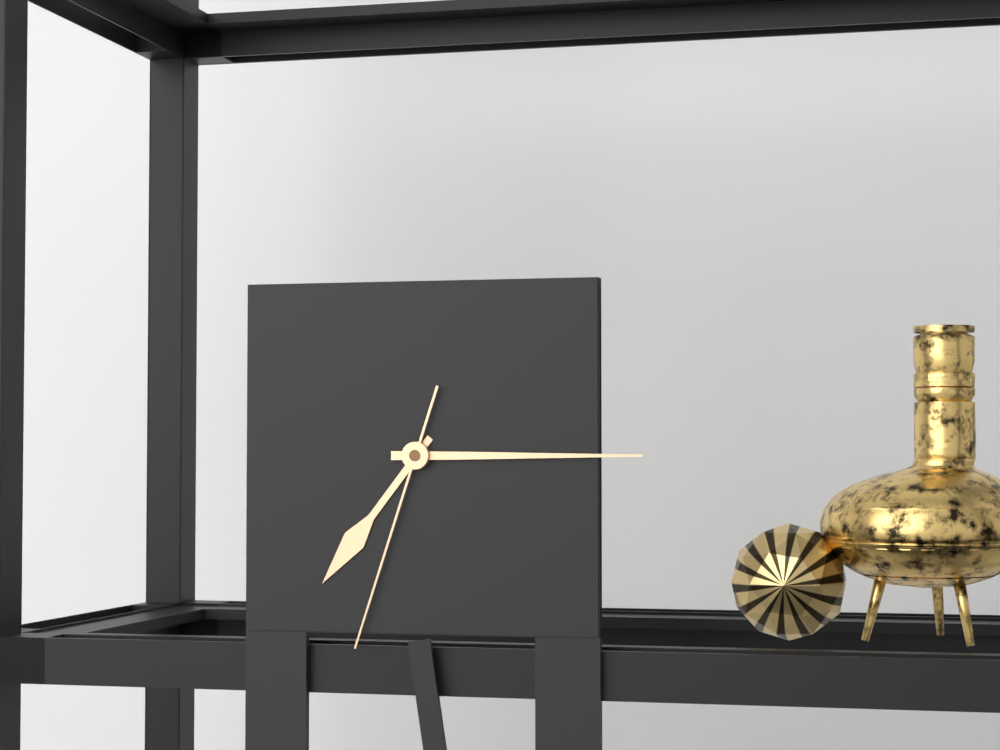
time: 7:15:33
